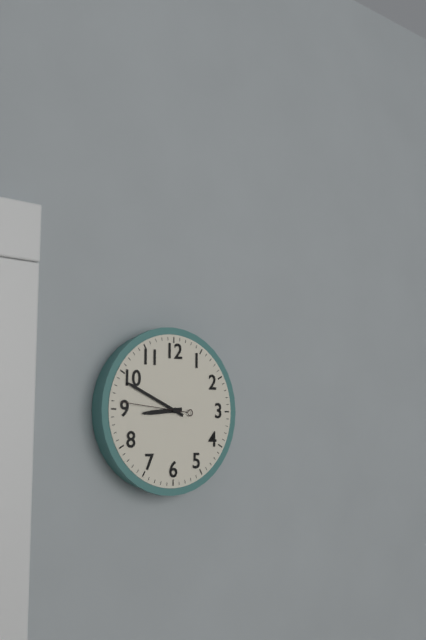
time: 8:49:46
